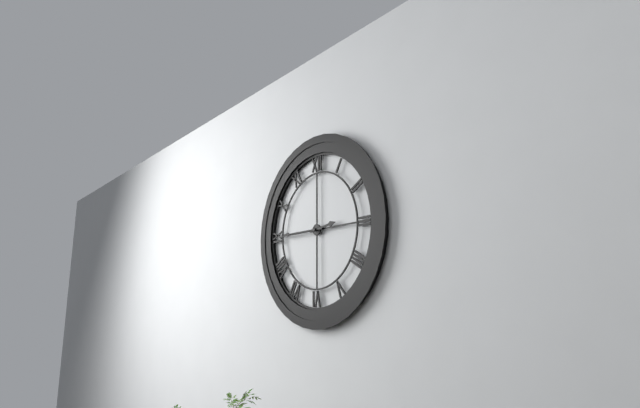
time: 2:45
